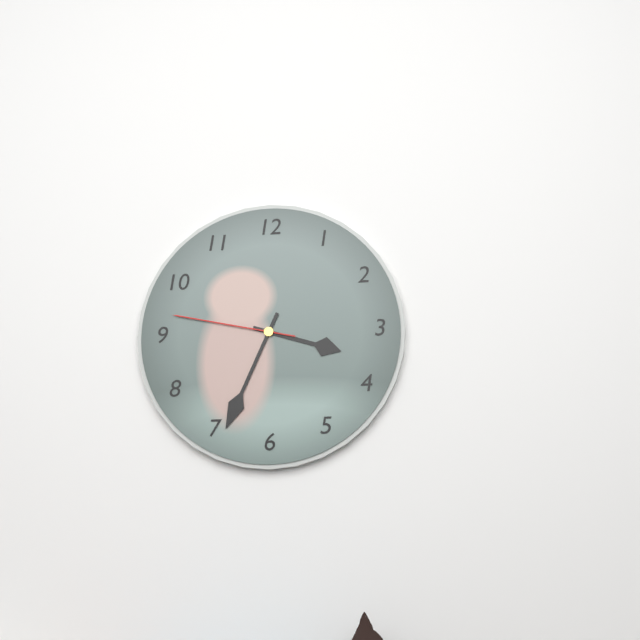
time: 3:34:47
